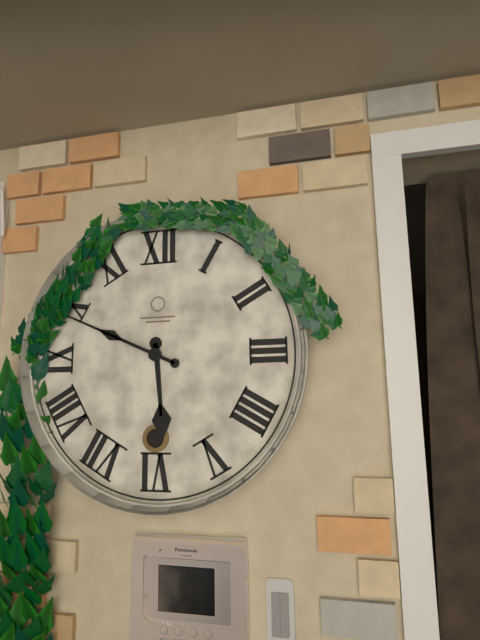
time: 5:49
